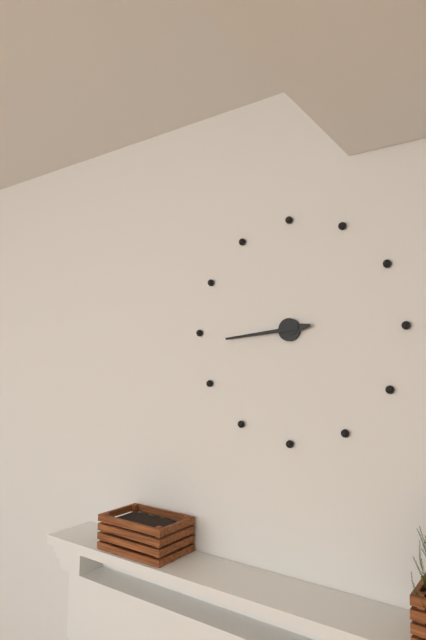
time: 2:44
